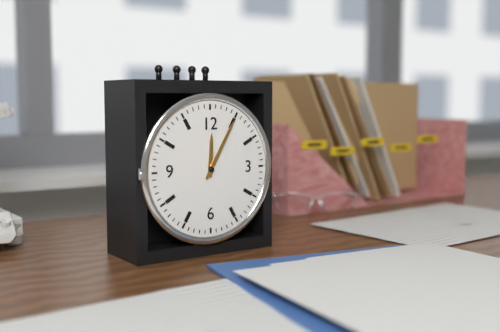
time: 12:05
